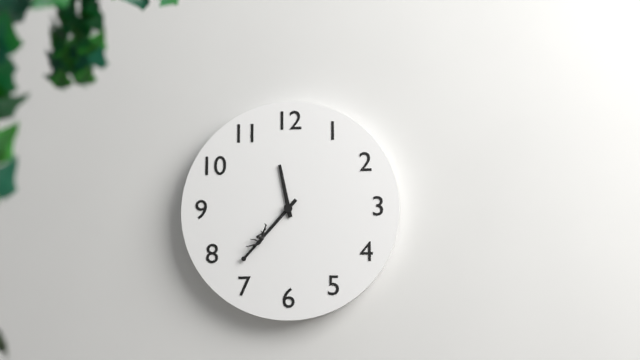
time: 11:37
